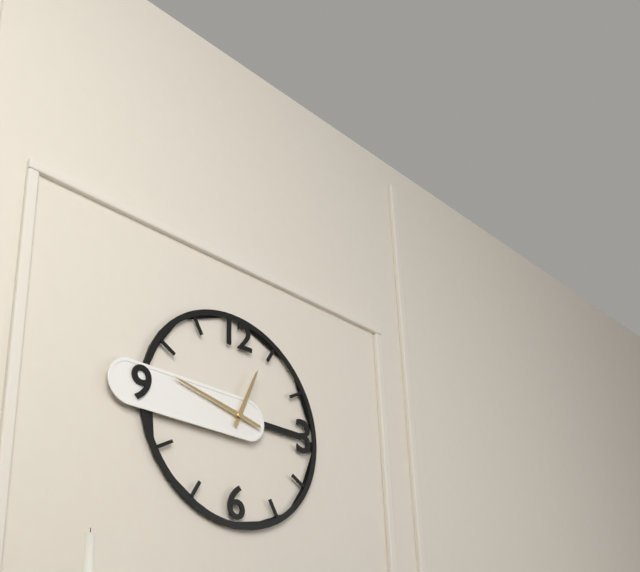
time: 12:47
